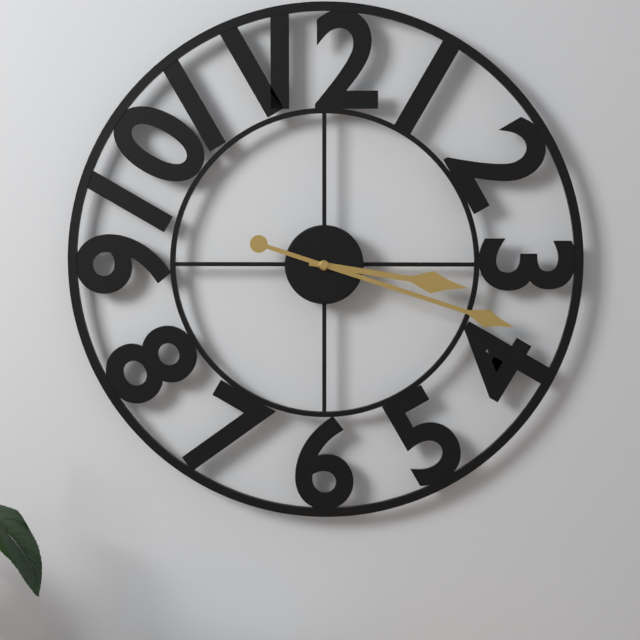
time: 3:18
